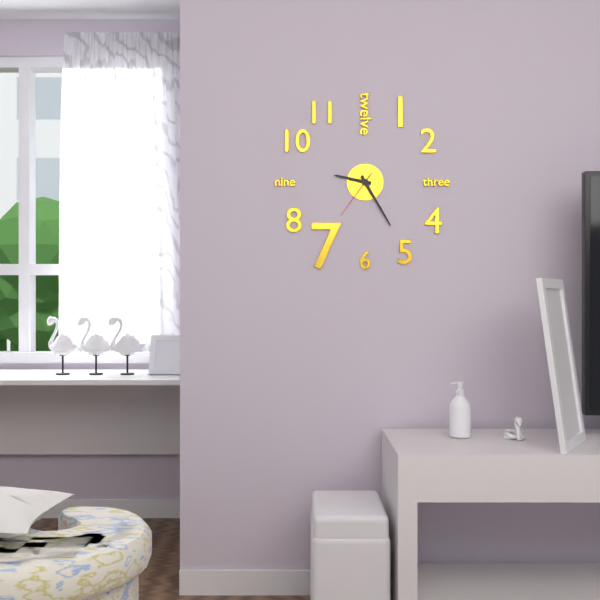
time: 9:25:36
